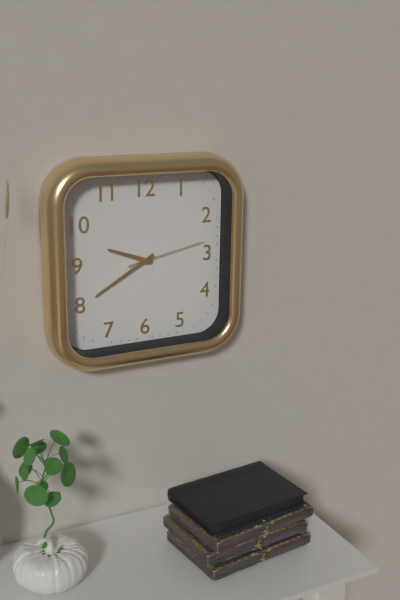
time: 9:40:13
